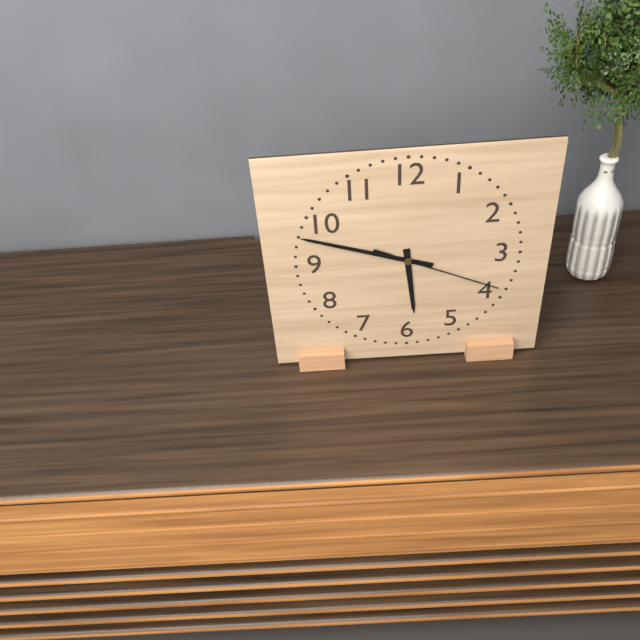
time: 5:48:19
